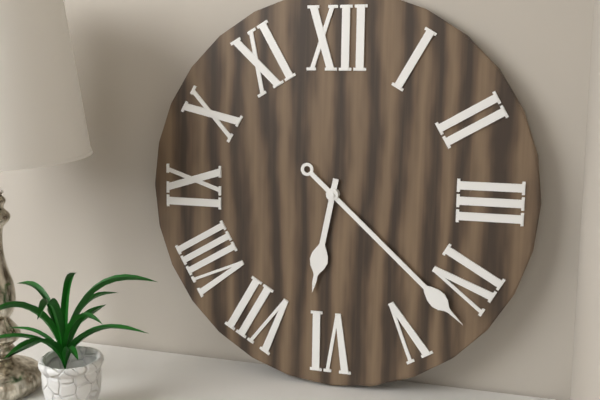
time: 6:22
